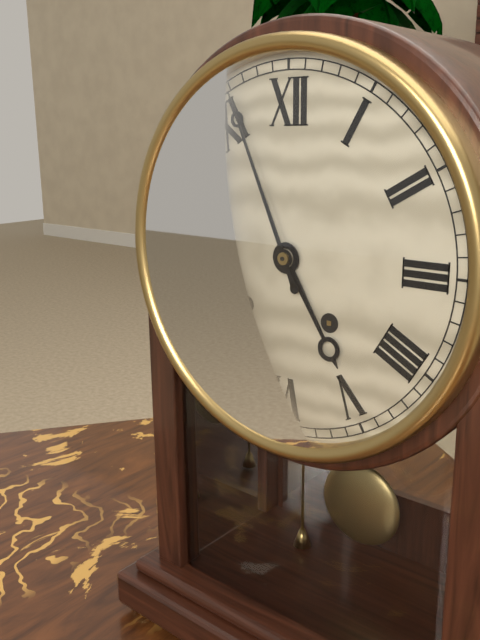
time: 4:56
